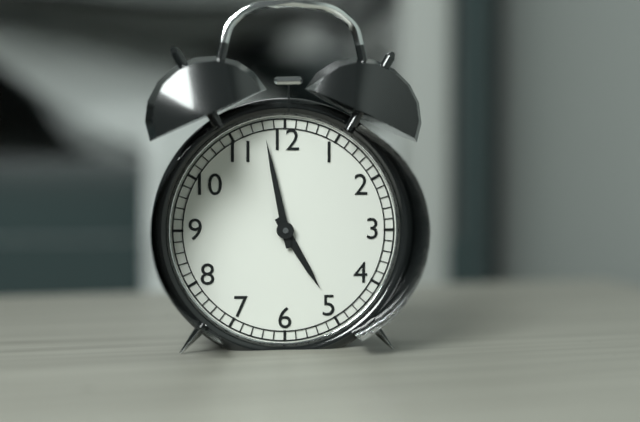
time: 4:58
